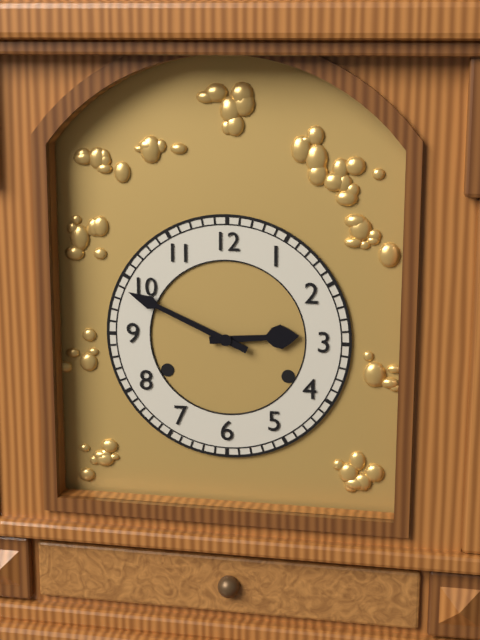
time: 2:49
